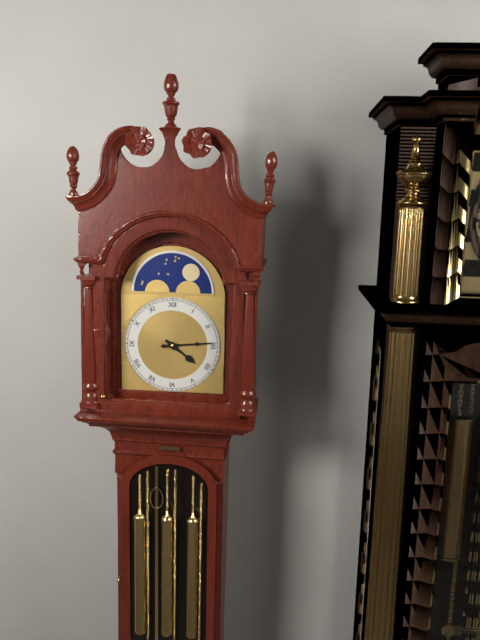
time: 4:14
